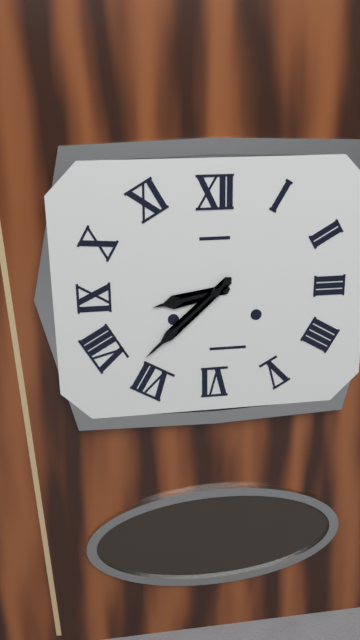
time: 8:38
